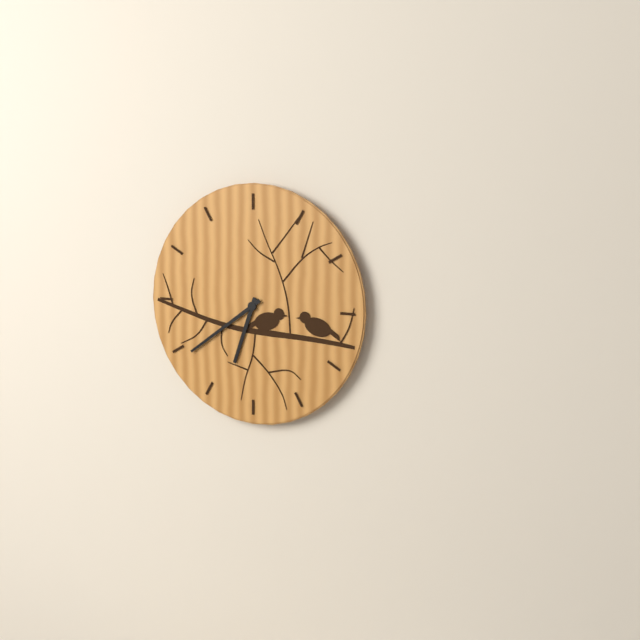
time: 6:39
